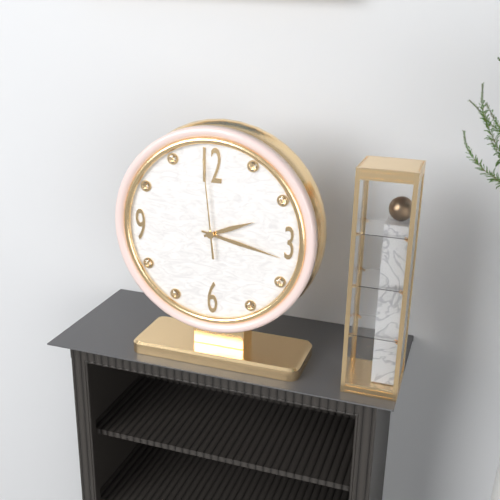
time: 2:17:59
